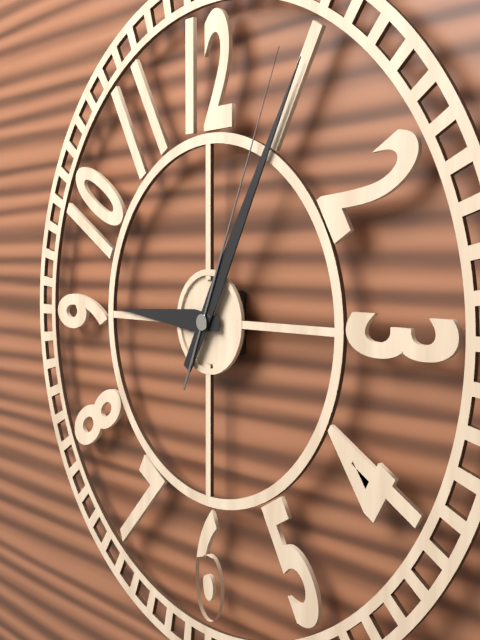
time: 9:05:04
